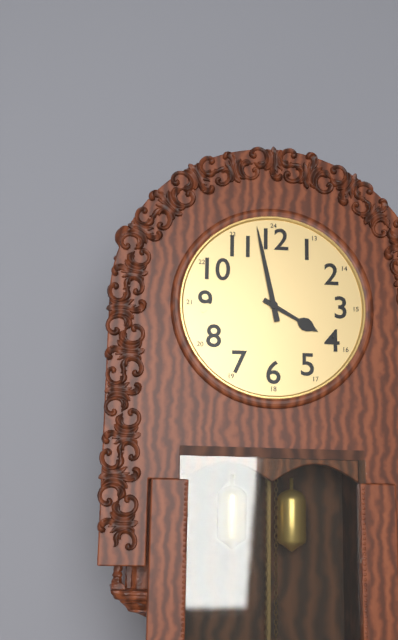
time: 3:58
